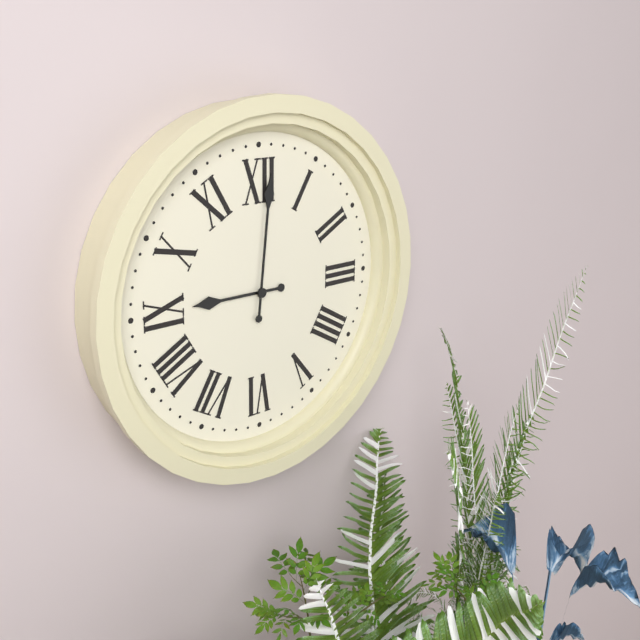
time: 9:01
